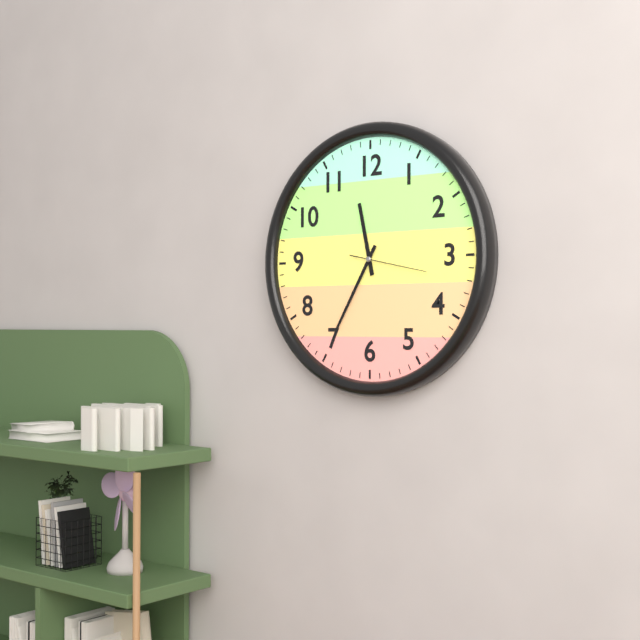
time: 11:35:17
